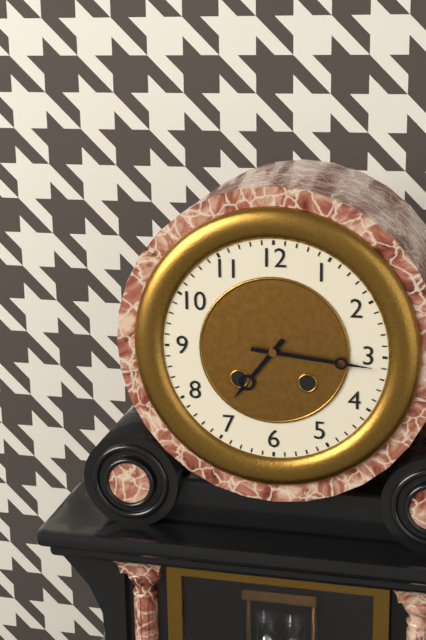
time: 7:16
